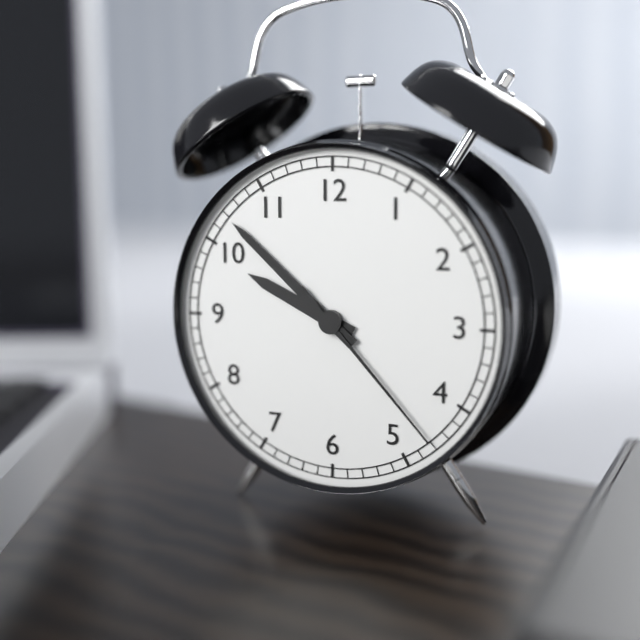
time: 9:52:23
